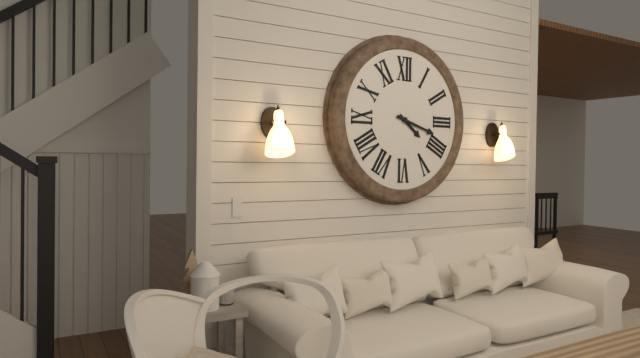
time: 4:18
